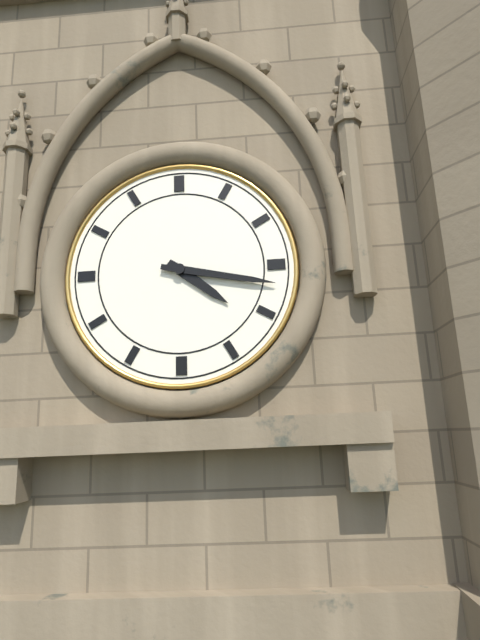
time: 4:17
